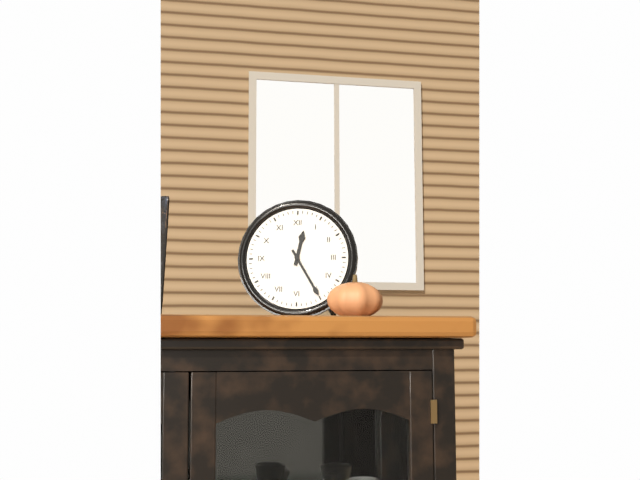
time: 12:25
